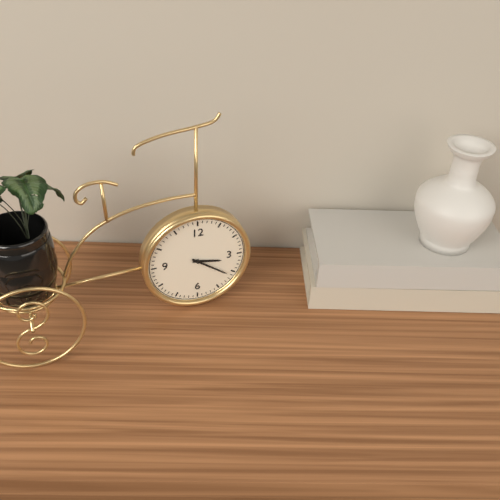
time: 3:21
